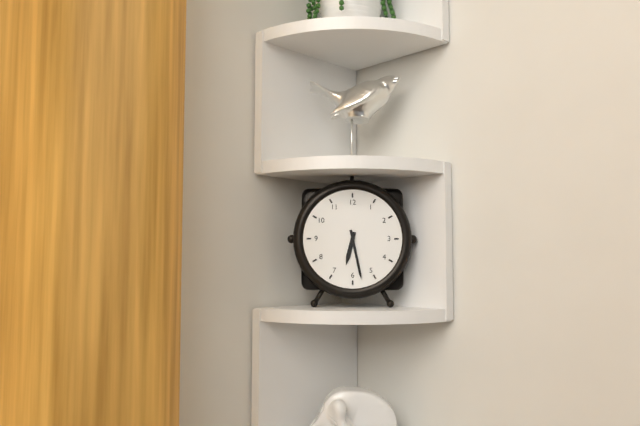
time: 6:28
